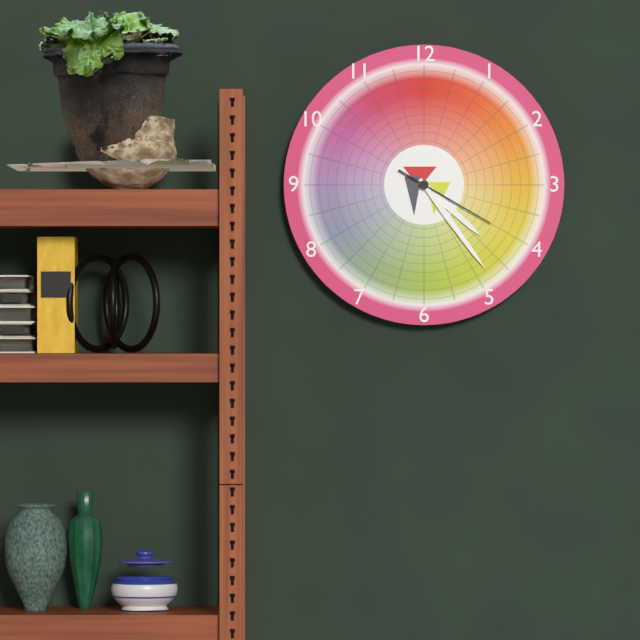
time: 4:24:20
